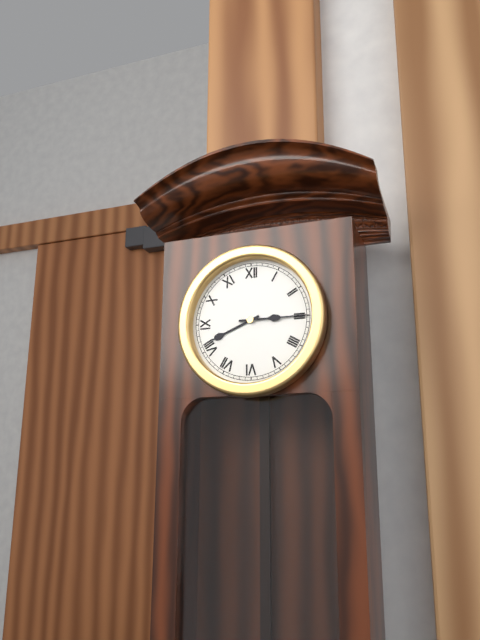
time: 8:15
